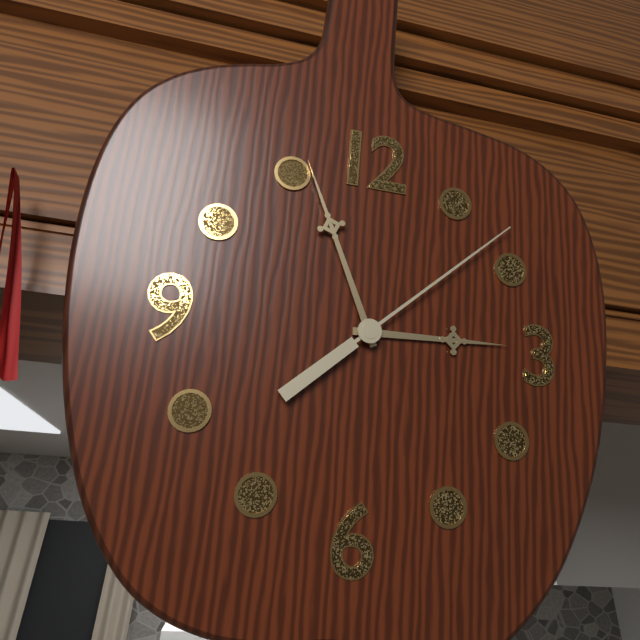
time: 2:56:08
